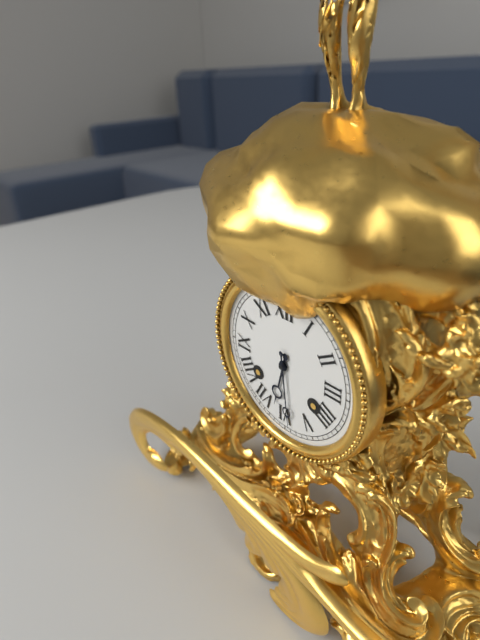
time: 6:29
